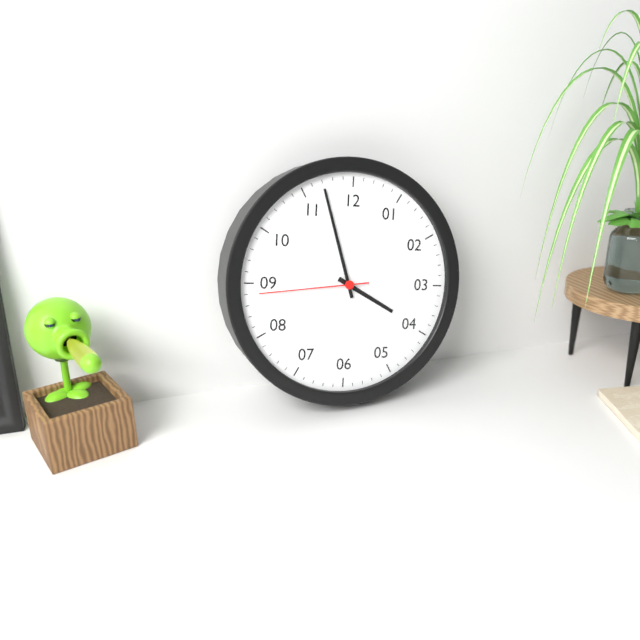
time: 3:57:44
